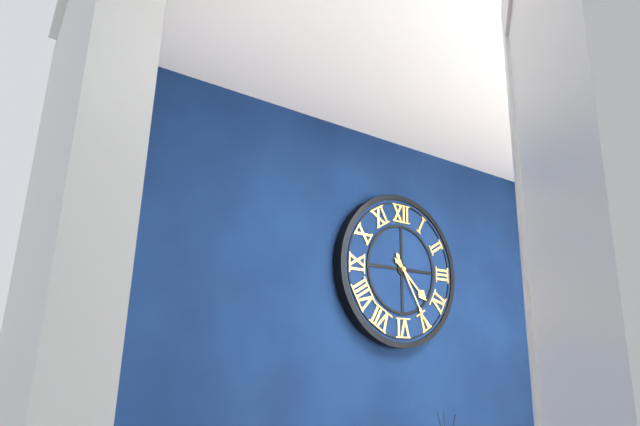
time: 4:25
